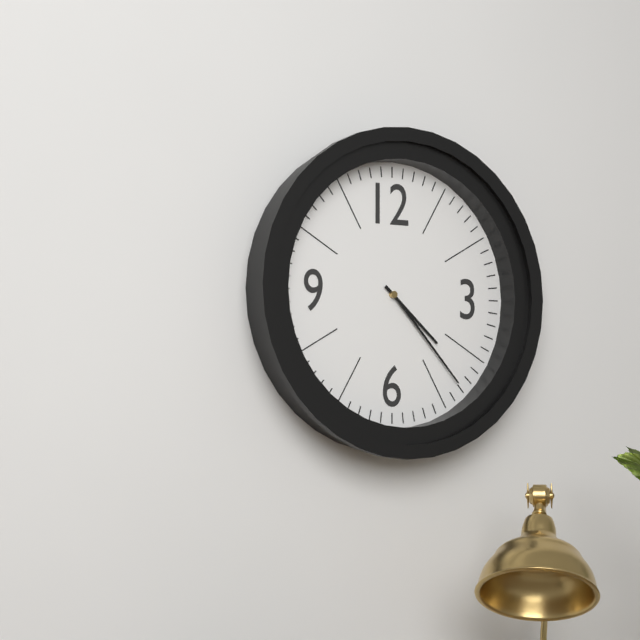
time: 4:23
